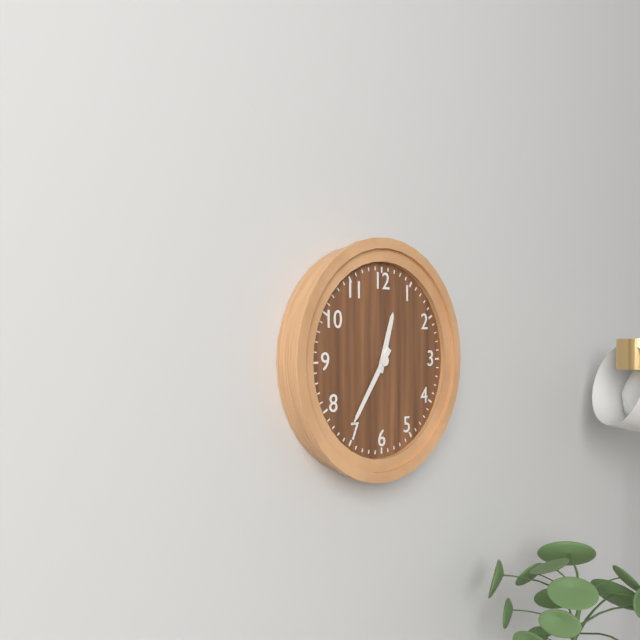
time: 12:36
